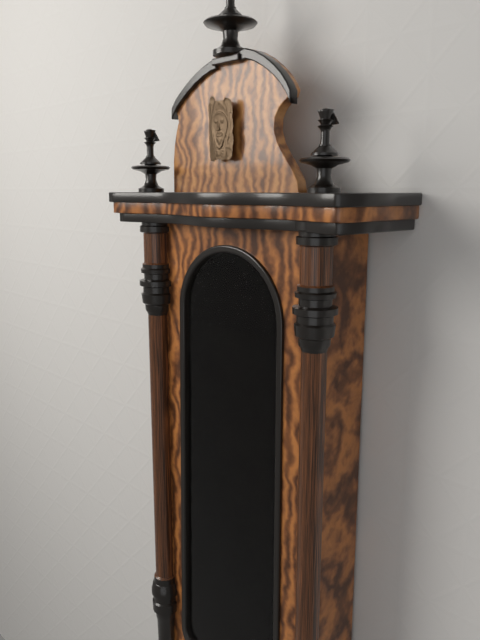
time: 2:01
